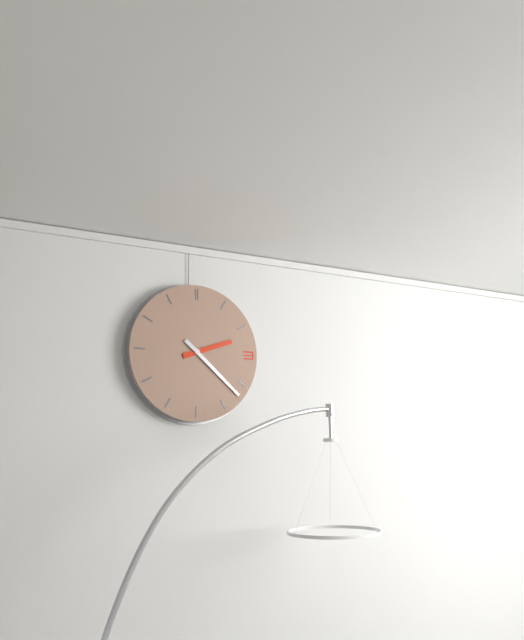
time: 2:22
